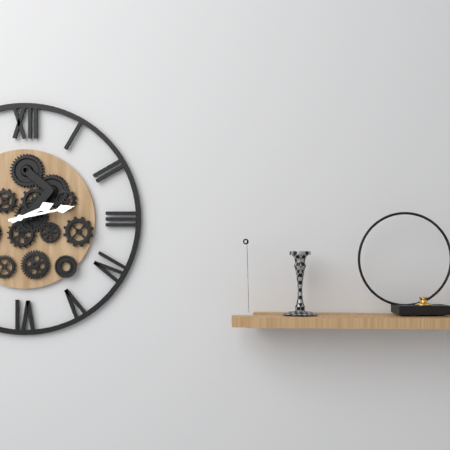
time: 2:13
